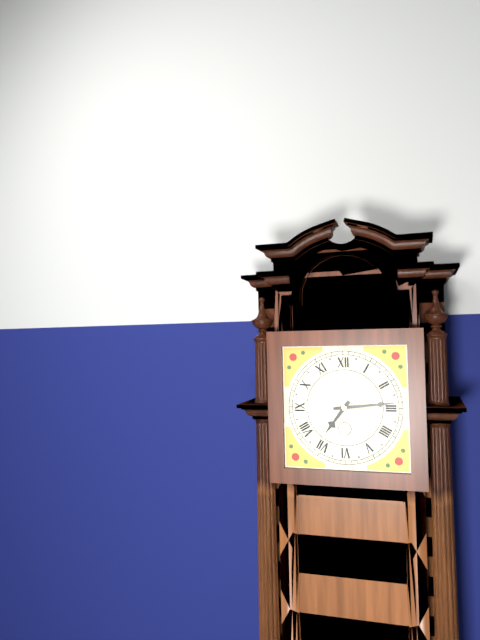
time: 7:14
